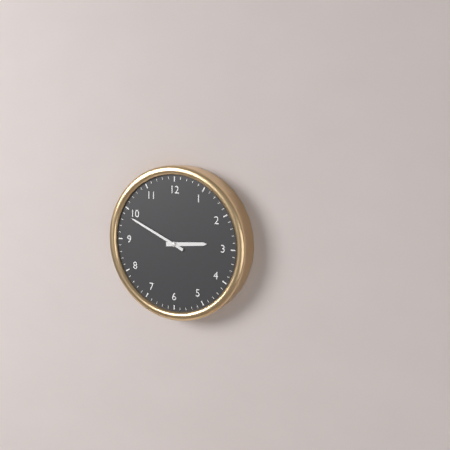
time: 2:49
